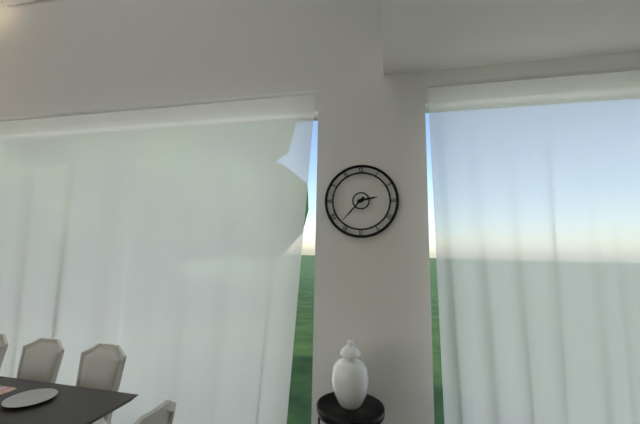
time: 2:37
